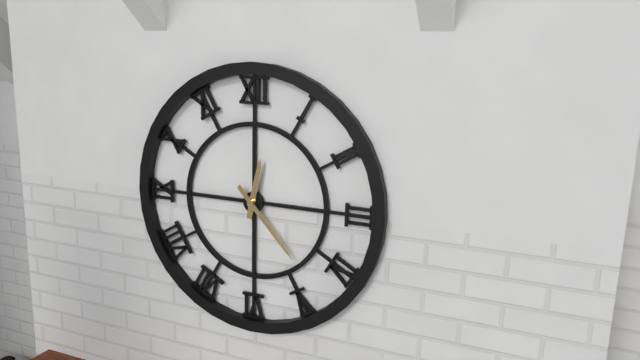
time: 12:23
